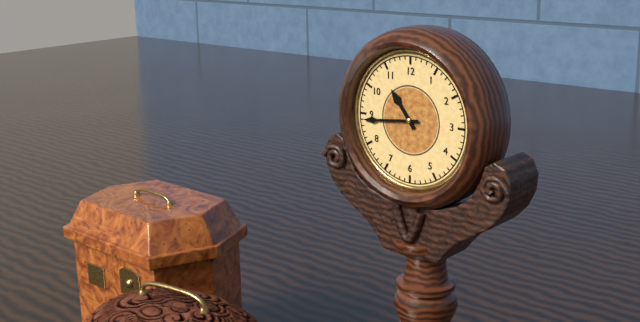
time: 10:44
